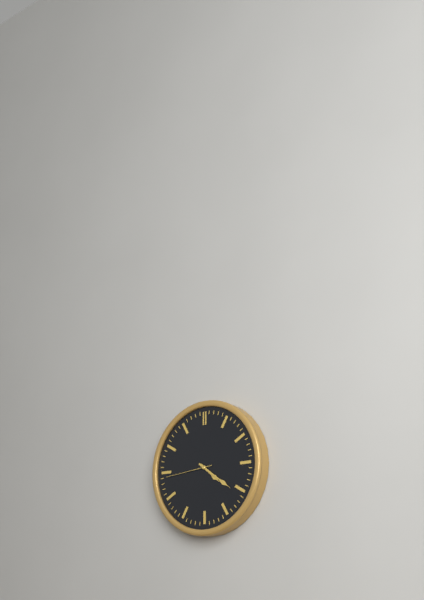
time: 4:21
